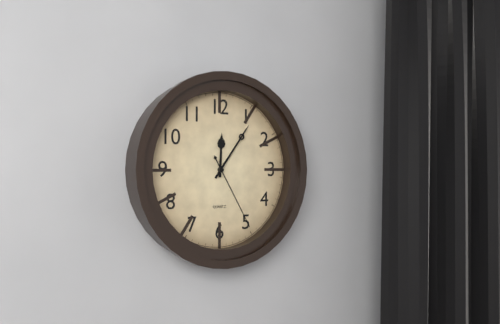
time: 12:06:25
